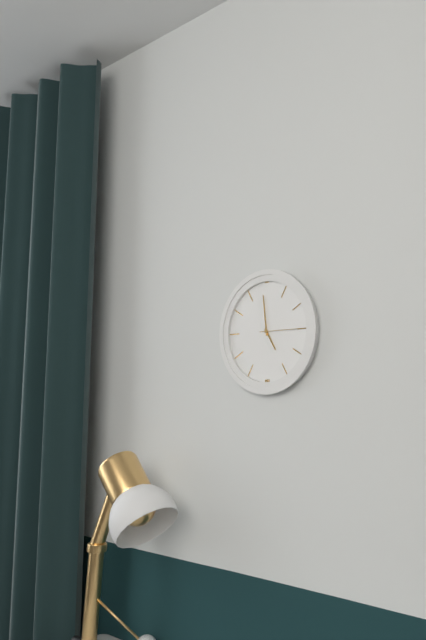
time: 4:59
